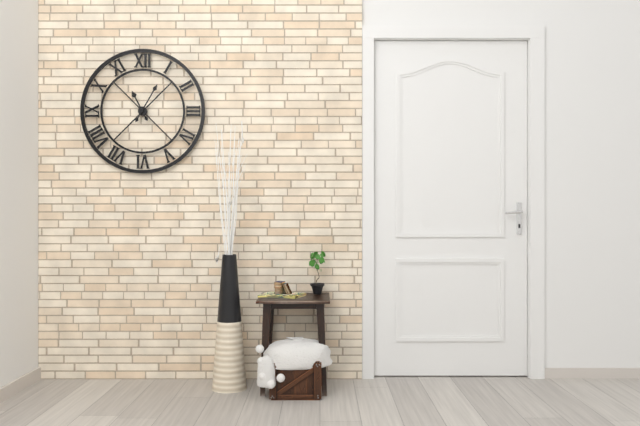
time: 11:05
